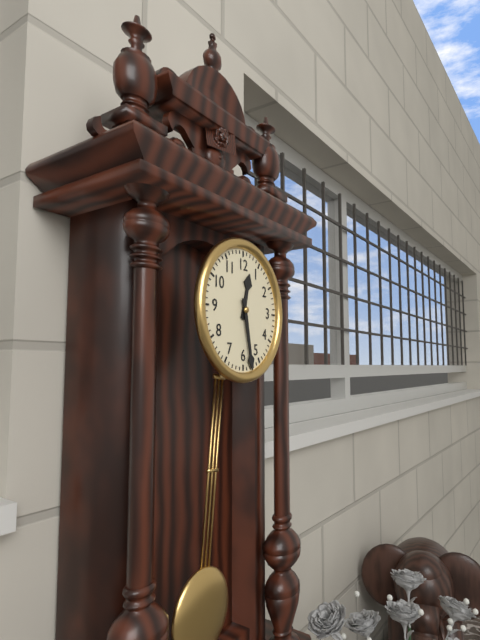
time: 12:28
